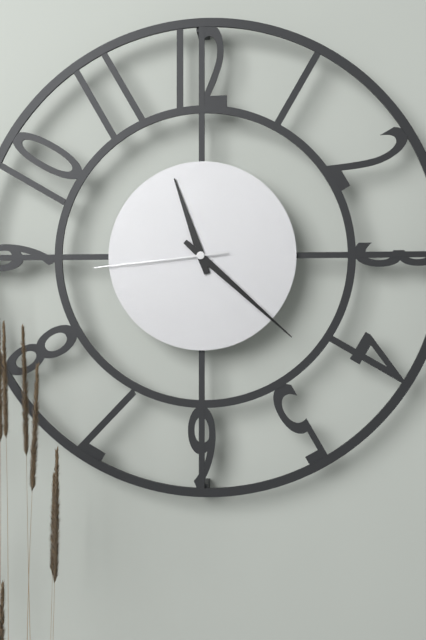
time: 11:22:44
